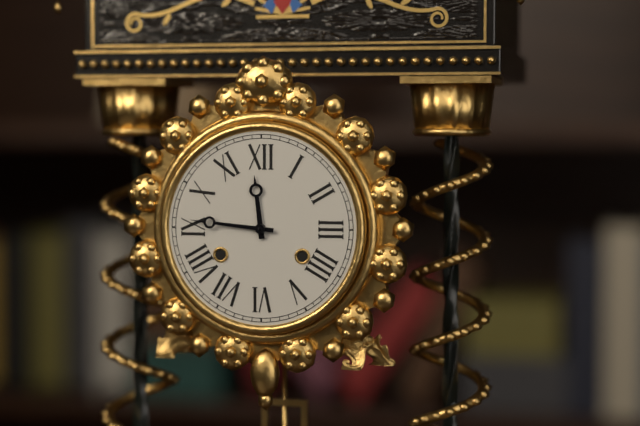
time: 11:46
